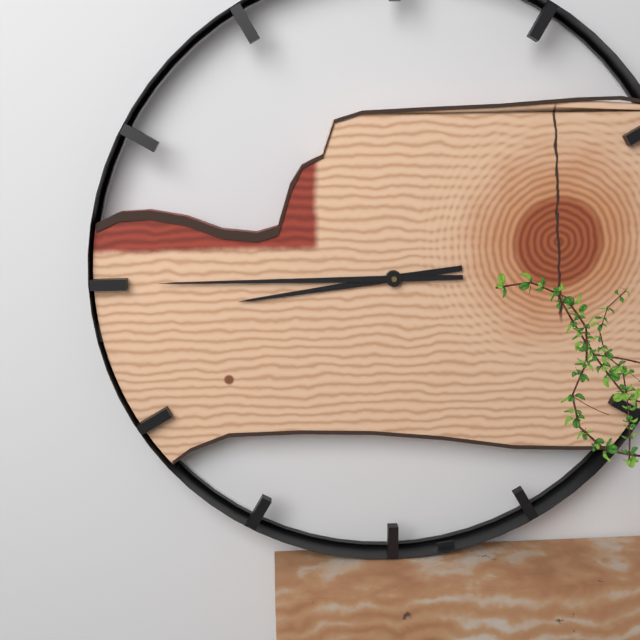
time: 8:45
